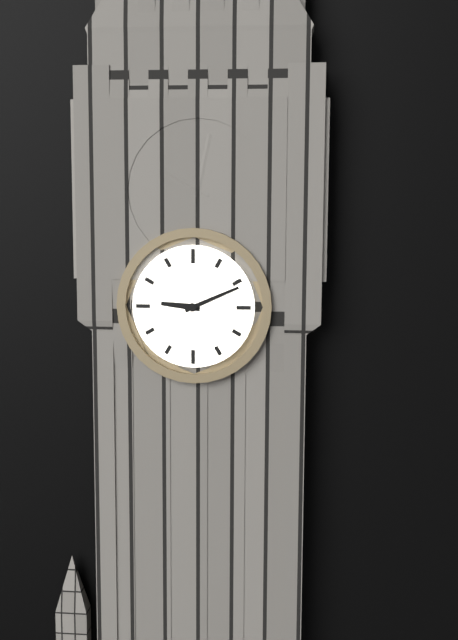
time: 9:11
